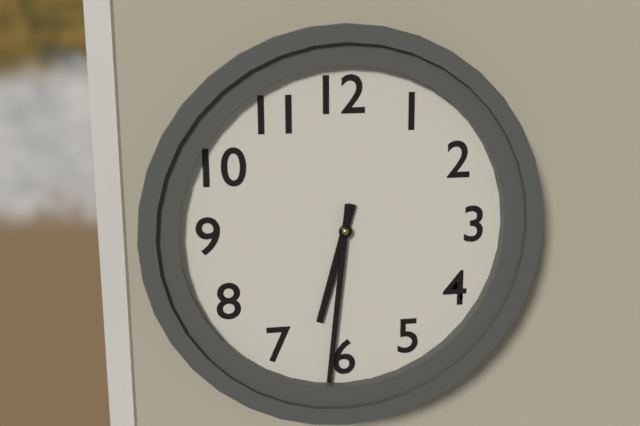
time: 6:31
